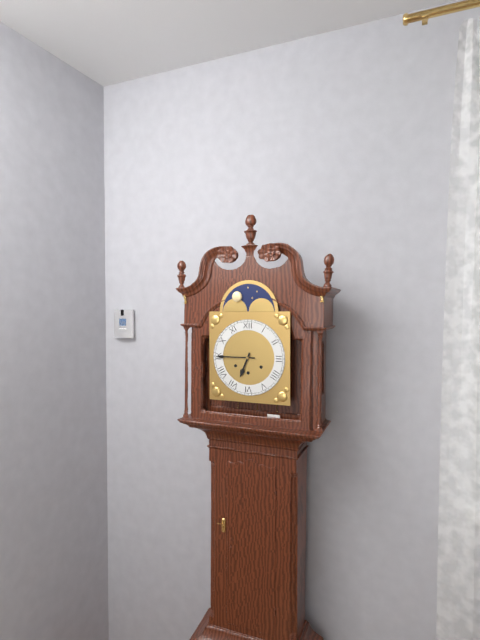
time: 6:45
